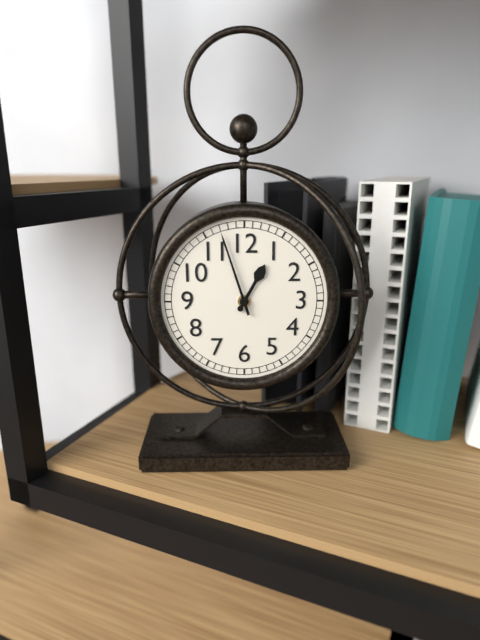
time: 12:57
